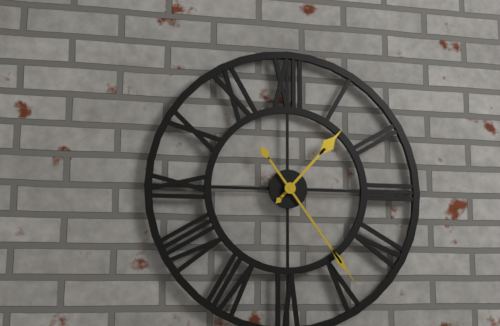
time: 1:24
